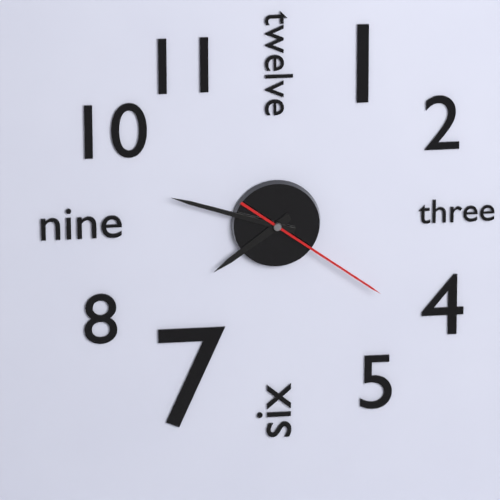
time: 7:48:21
